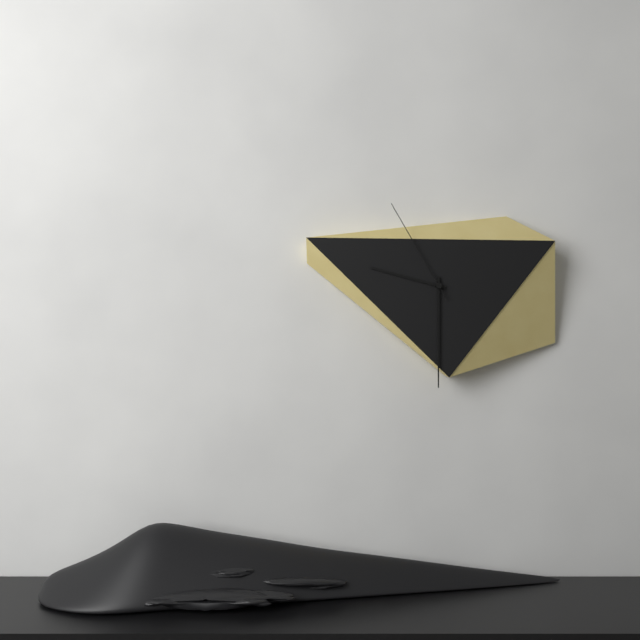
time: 9:30:55
